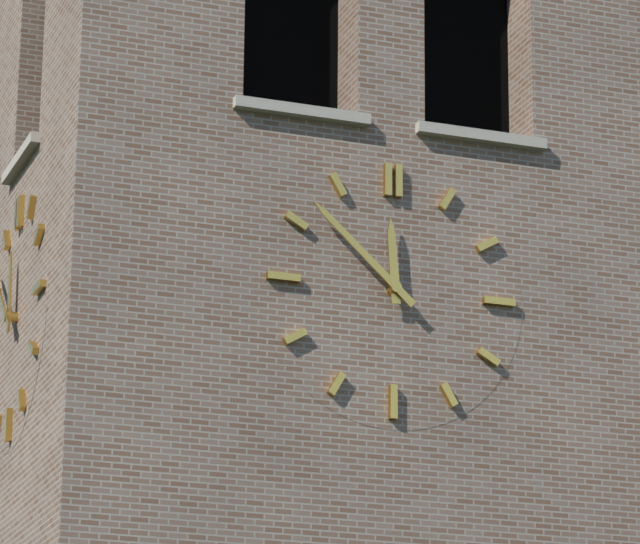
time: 11:52
